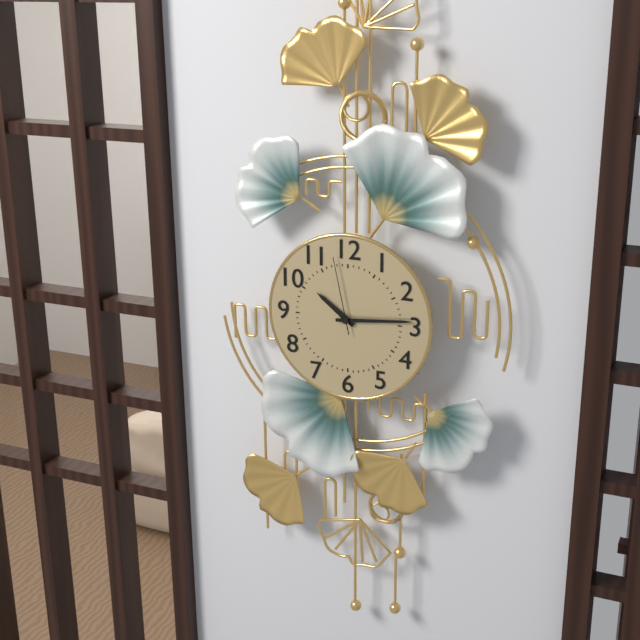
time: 10:14:58
